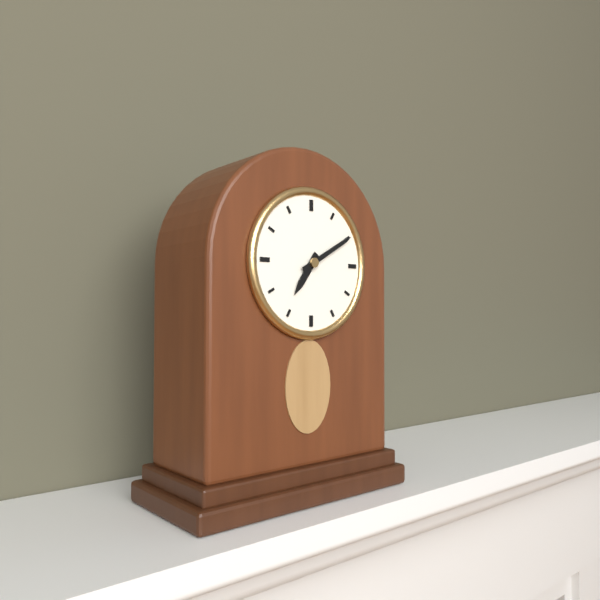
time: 7:10
